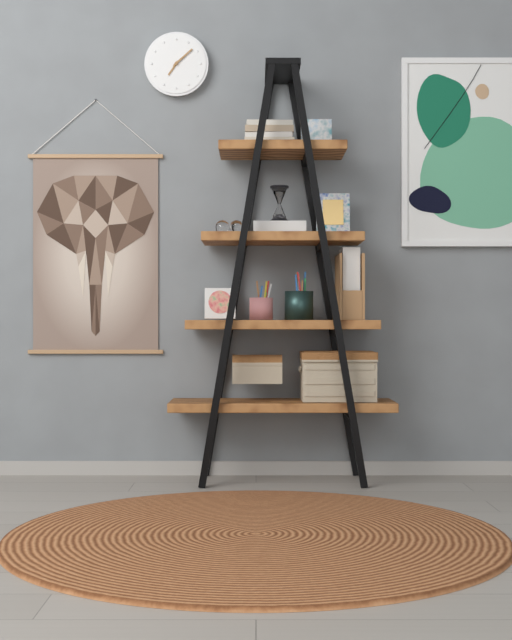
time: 7:08
